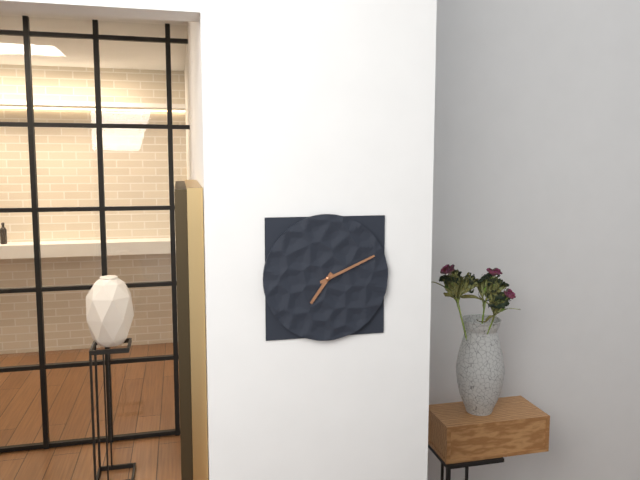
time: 7:11
